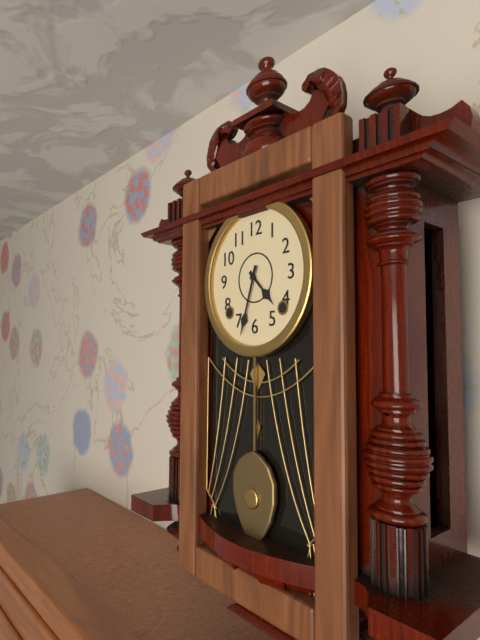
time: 4:33
